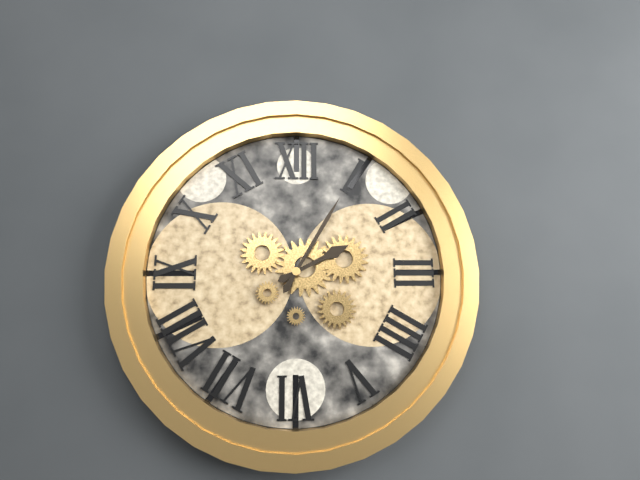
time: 2:05
